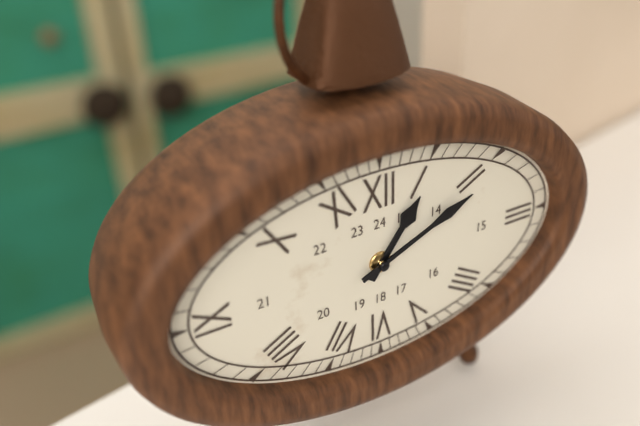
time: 1:11
